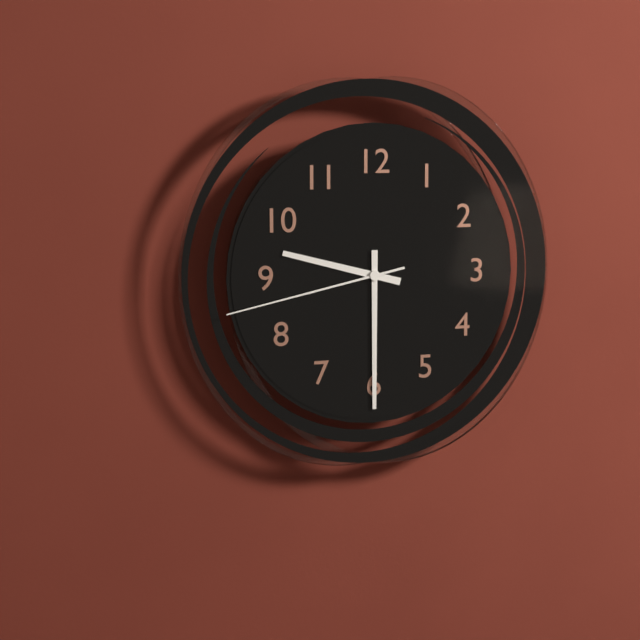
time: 9:30:43
